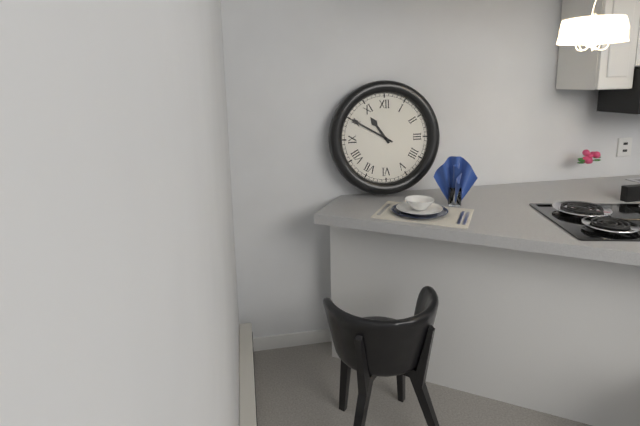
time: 10:50
